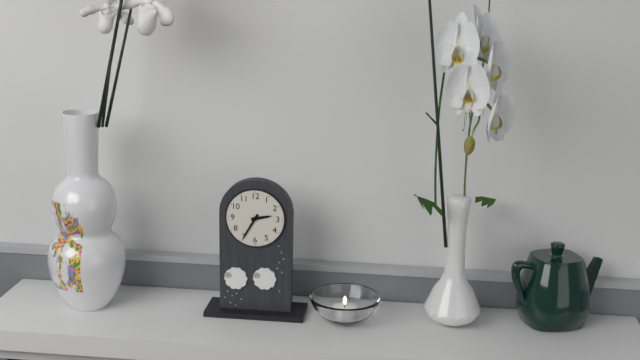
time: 2:35
